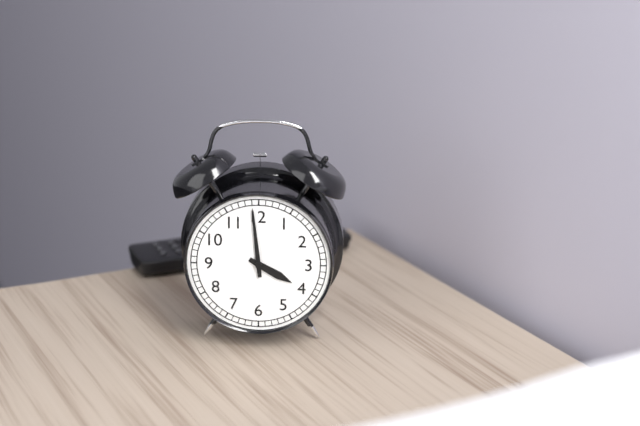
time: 3:59
